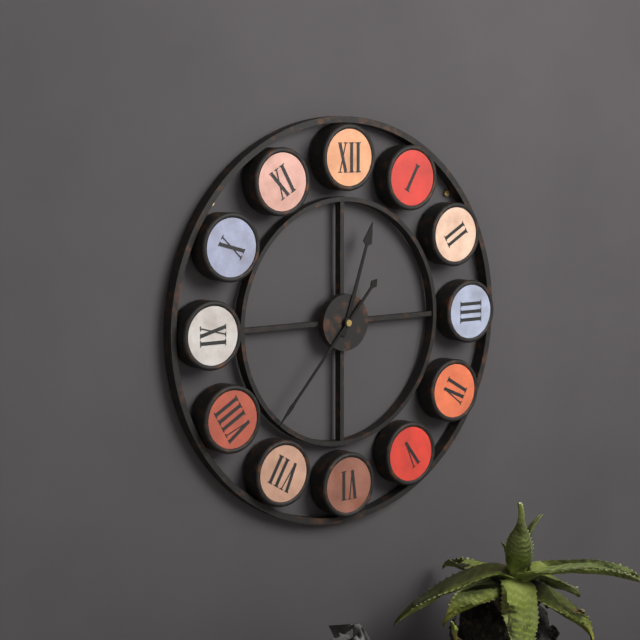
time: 12:37
